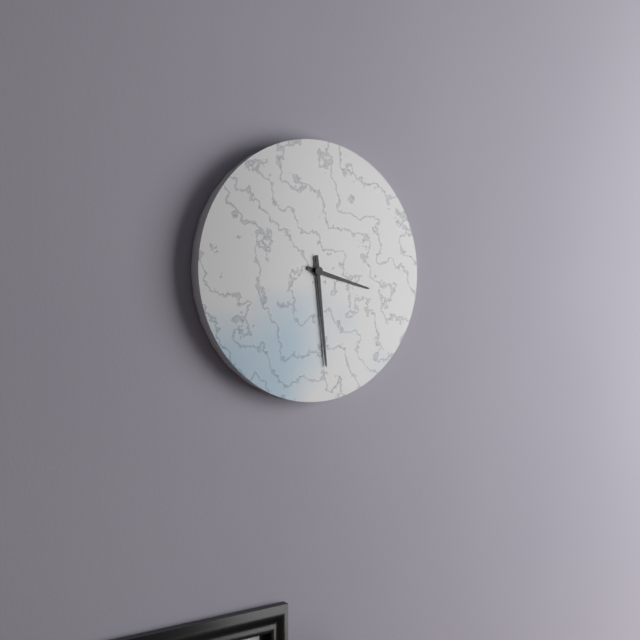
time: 3:29
